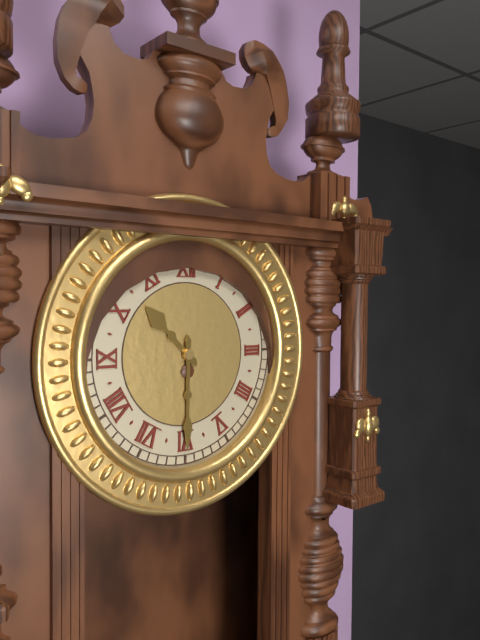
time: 10:30
